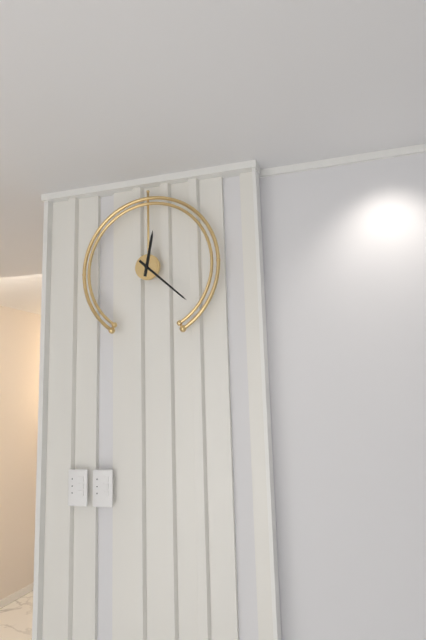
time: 12:22
